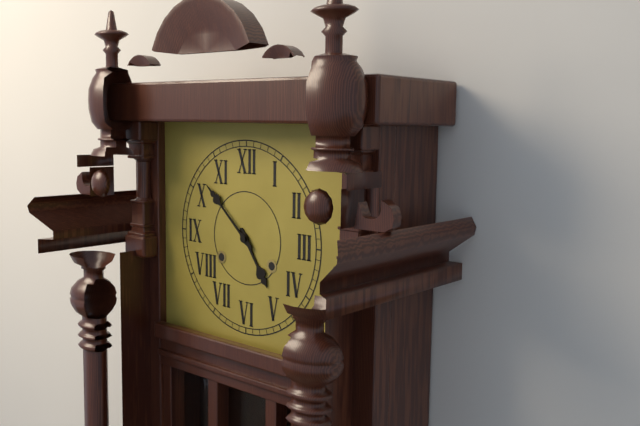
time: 4:52
